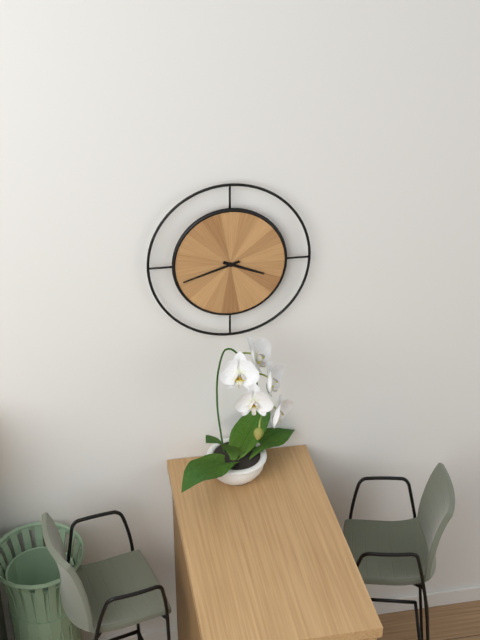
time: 3:42
